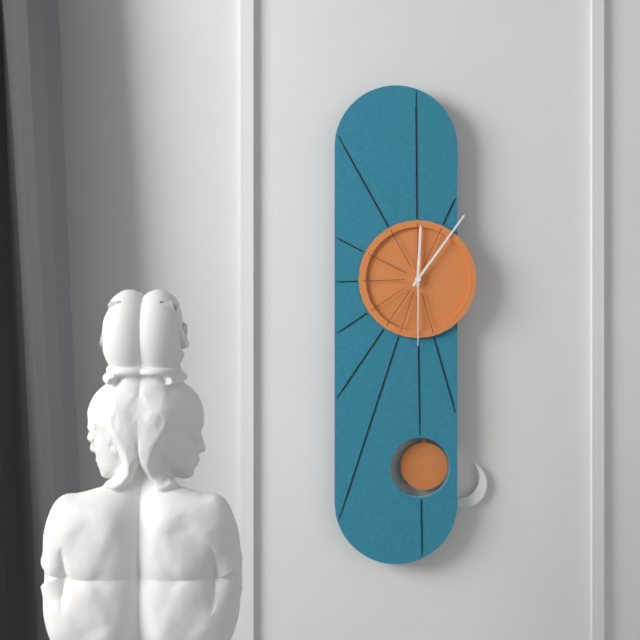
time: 12:06:30
